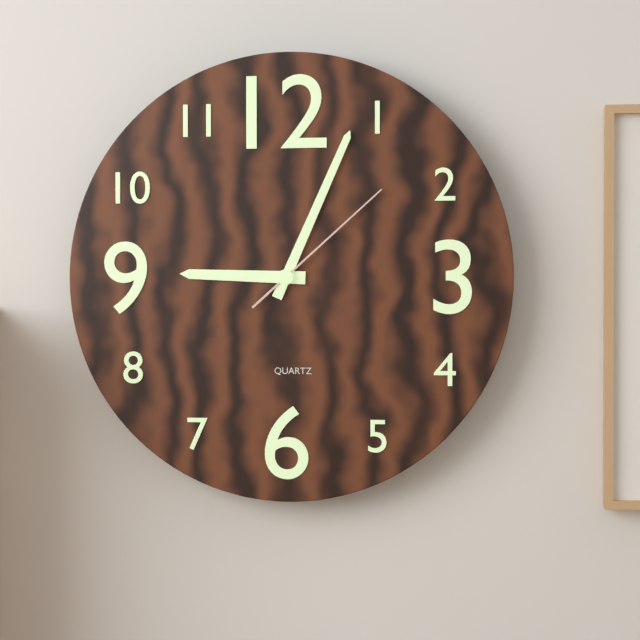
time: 9:04:08
